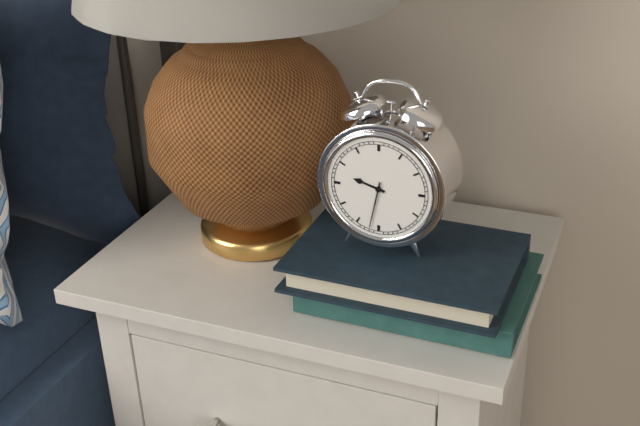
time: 9:32
